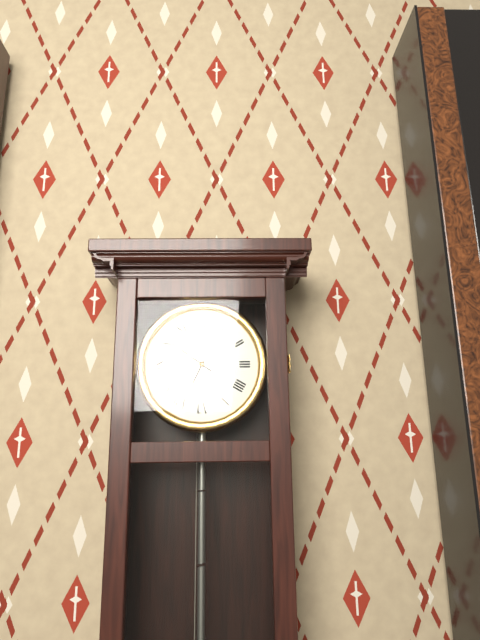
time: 6:51
